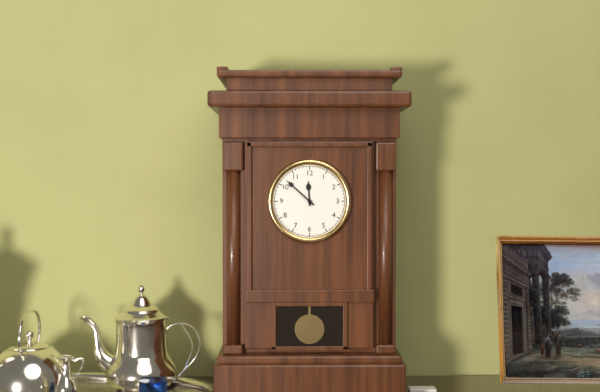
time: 11:52
